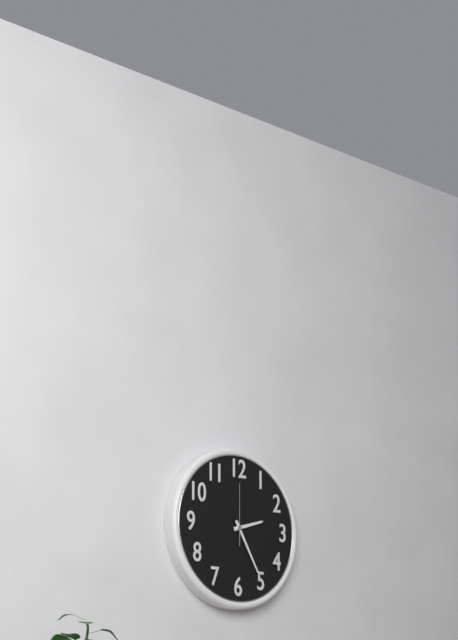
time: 2:25:00
